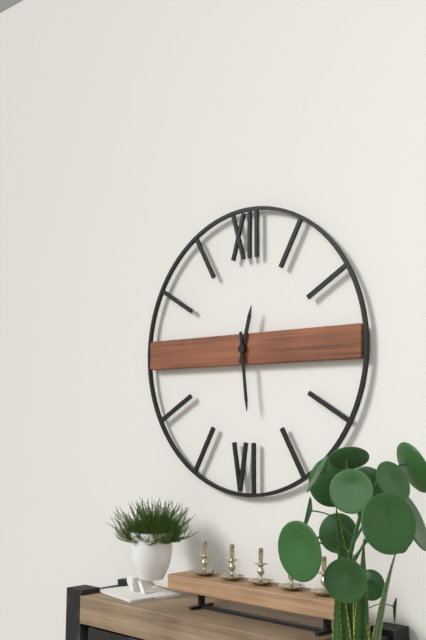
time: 12:29
